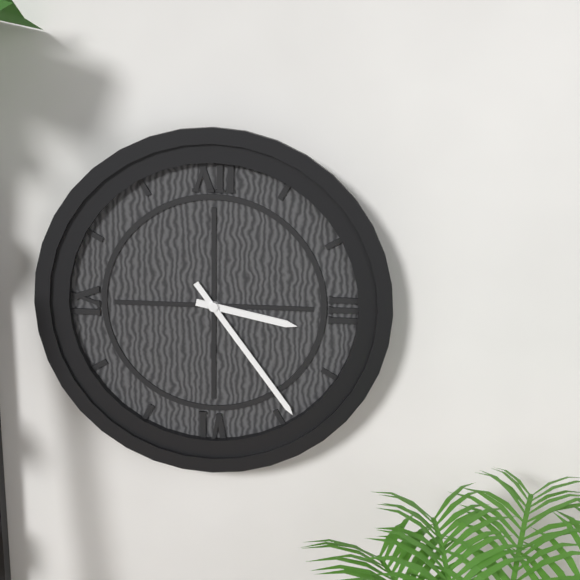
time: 3:24
